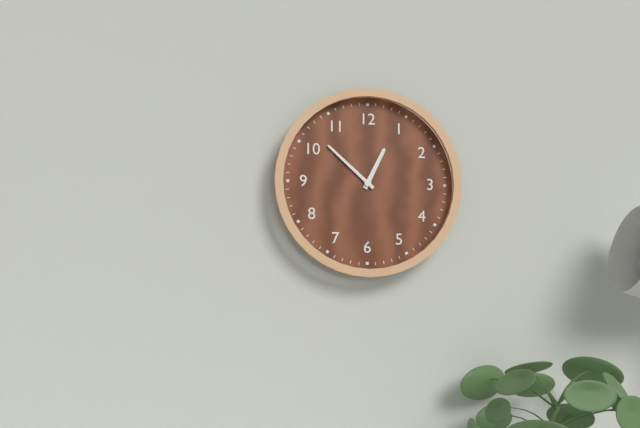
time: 12:52
